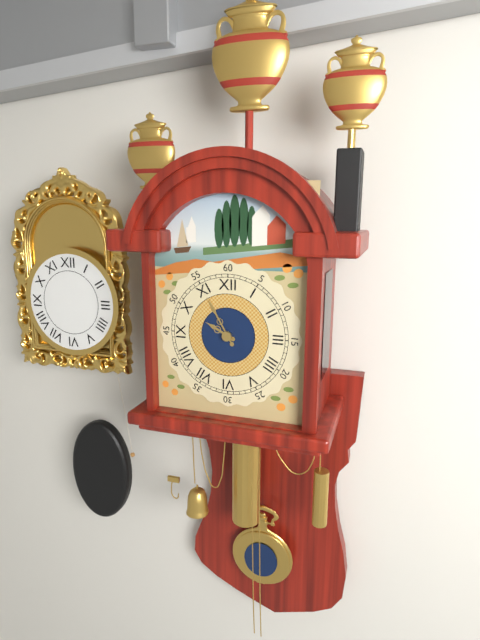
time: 9:55
